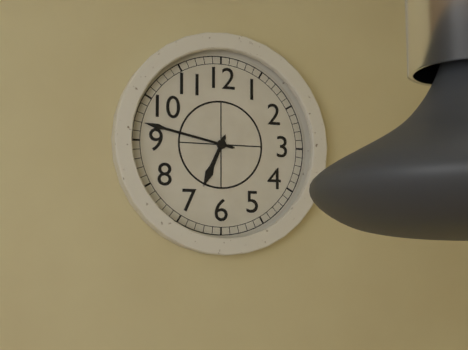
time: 6:47
